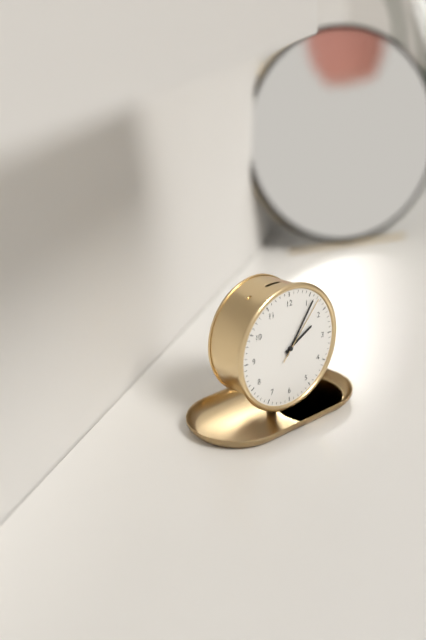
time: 2:06:07
